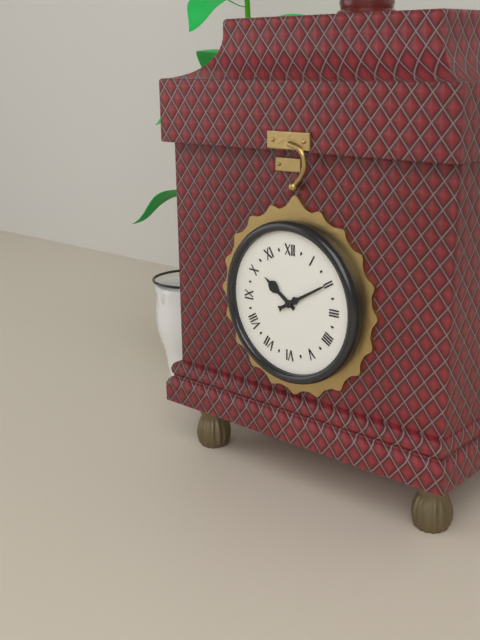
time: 10:10
